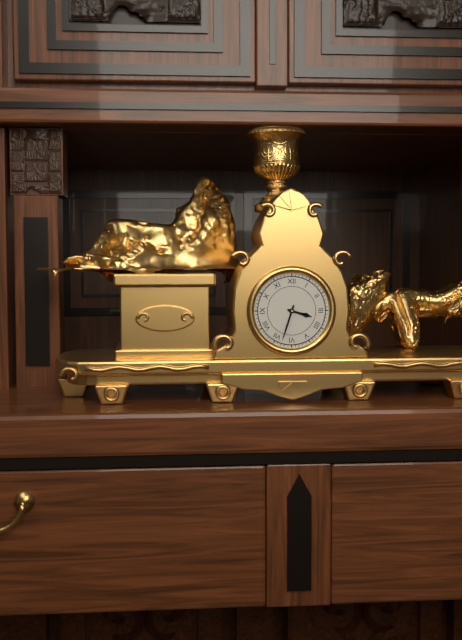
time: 3:33
